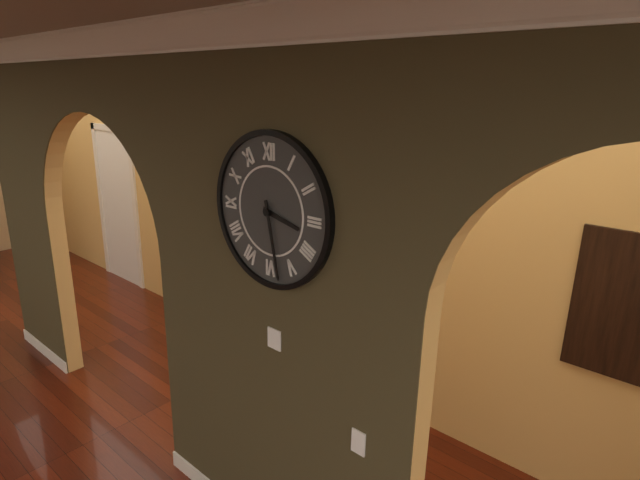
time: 3:28
